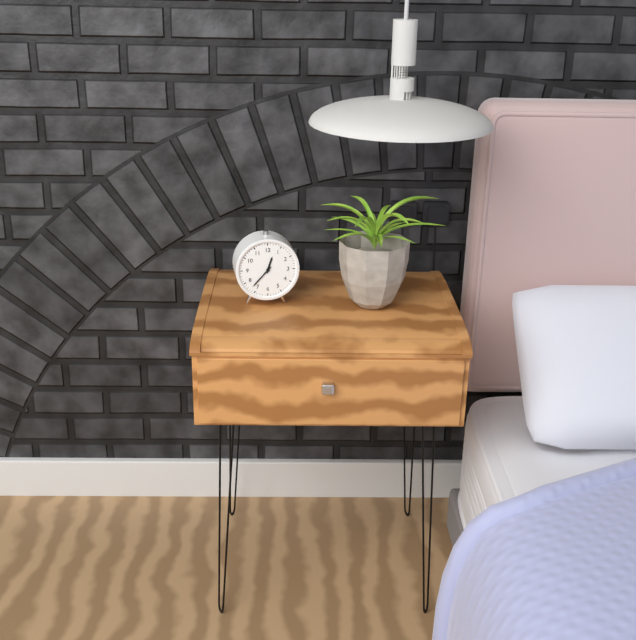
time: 12:37
